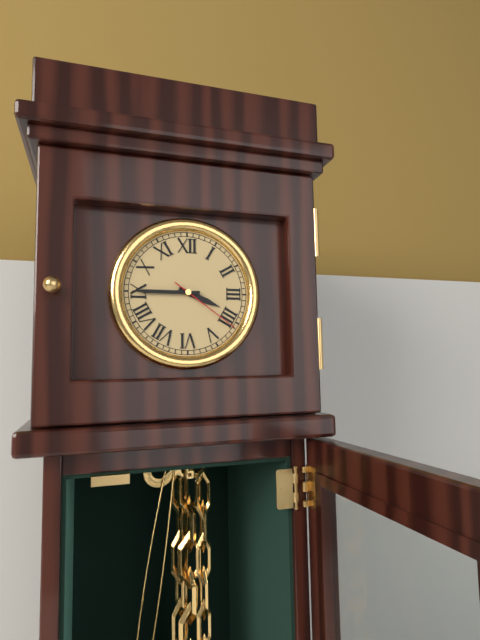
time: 3:45:21
